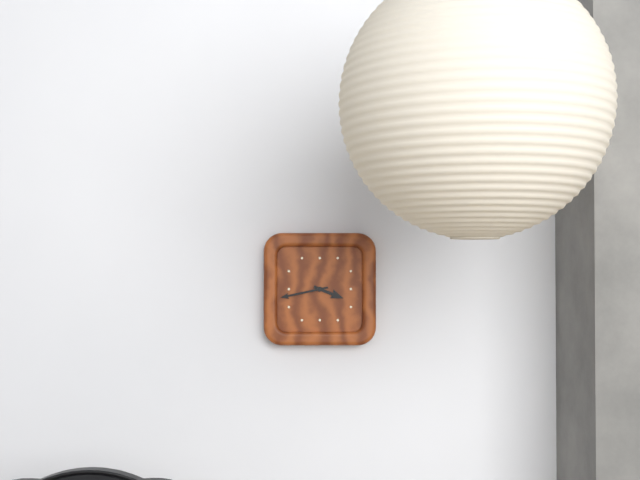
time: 3:43
